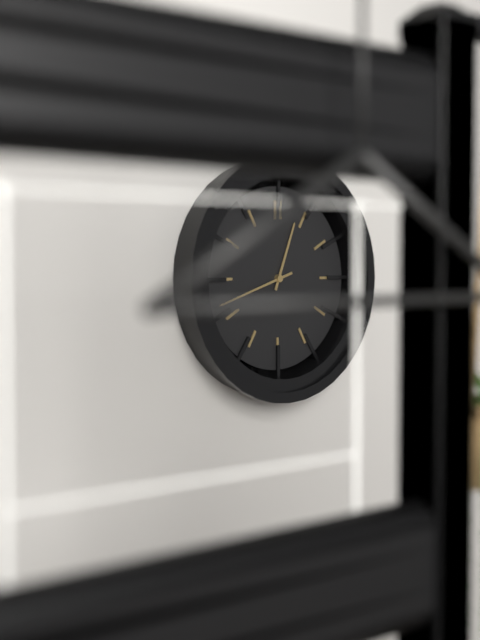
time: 12:42
